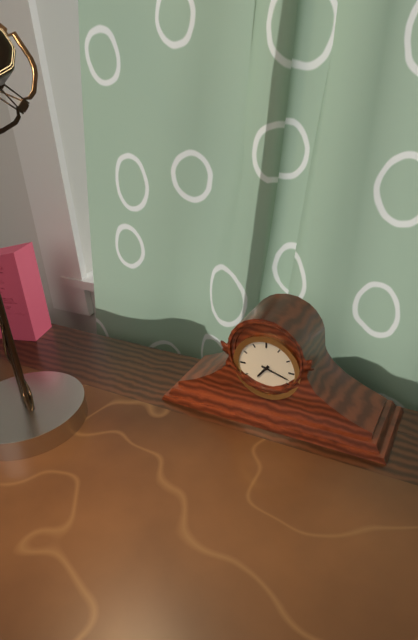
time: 7:18
